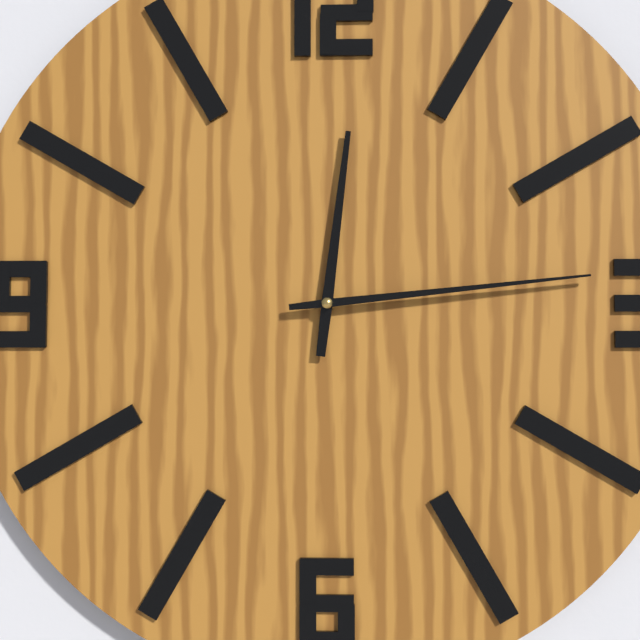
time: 12:14
